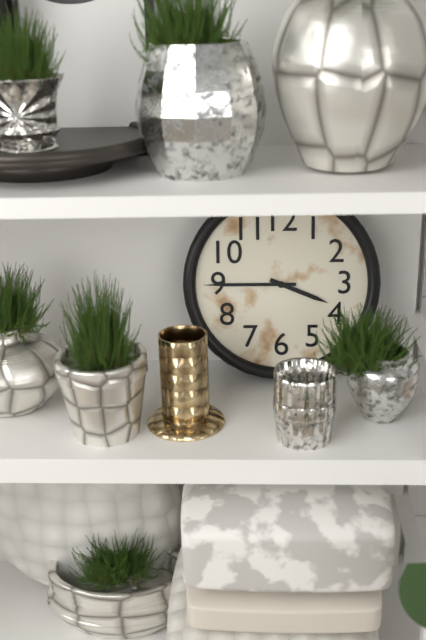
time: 3:45
